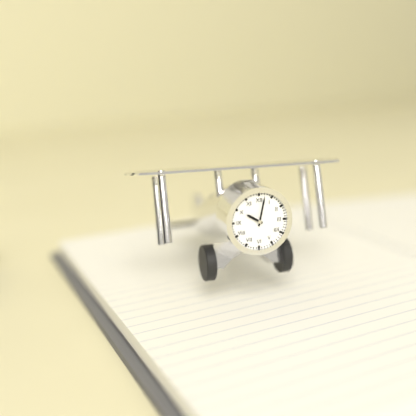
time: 10:02
